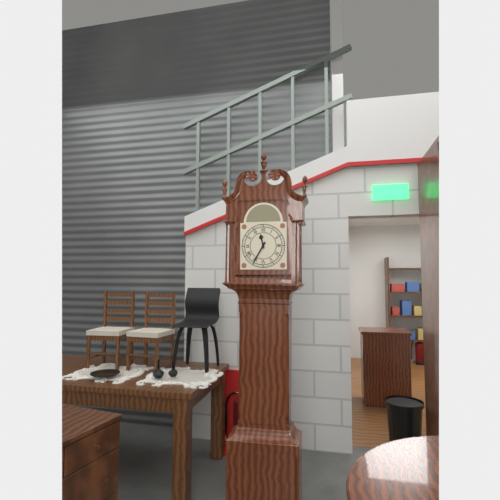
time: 11:35
